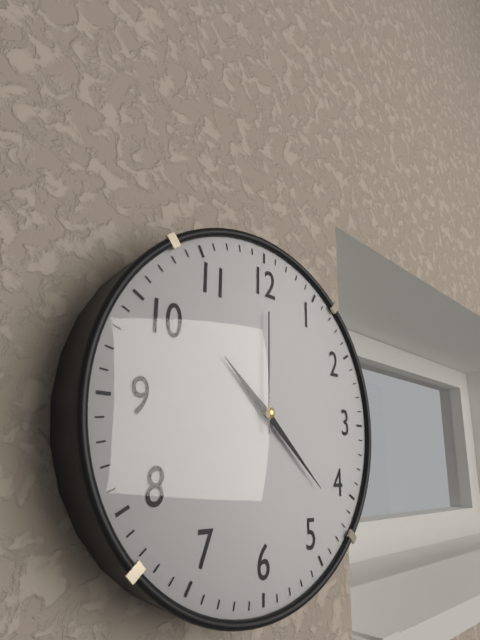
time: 10:22:00
